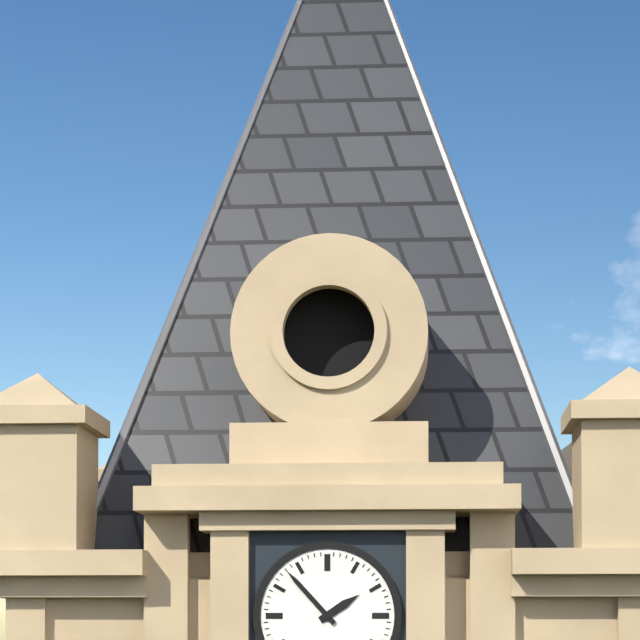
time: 1:53
